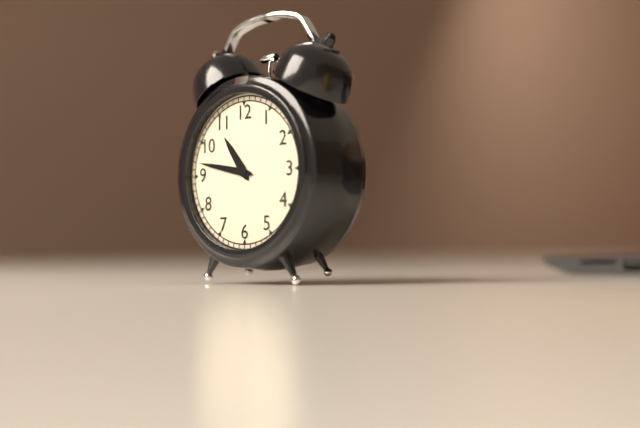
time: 10:47
